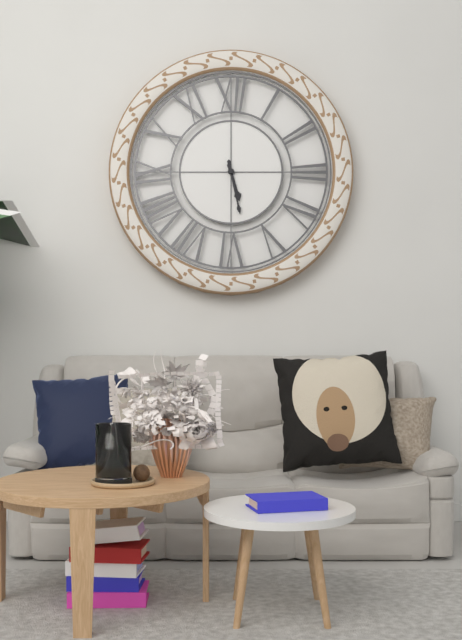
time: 5:28
